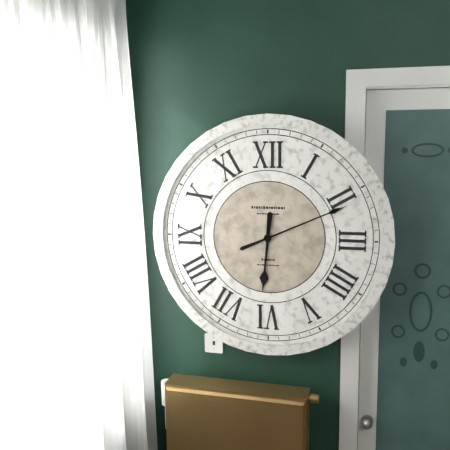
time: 6:11
